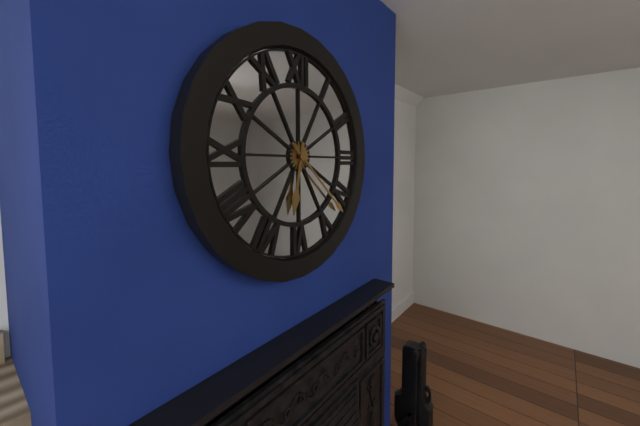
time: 6:22
